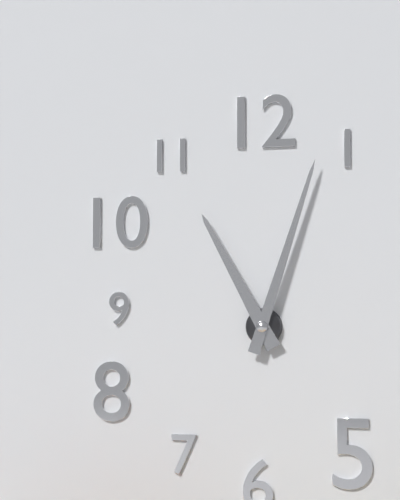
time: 11:03
